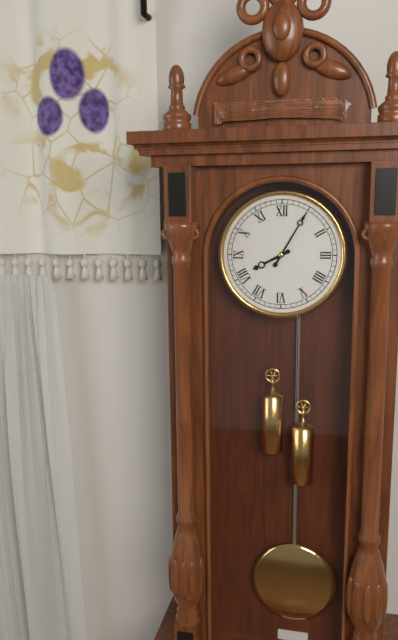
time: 8:05
